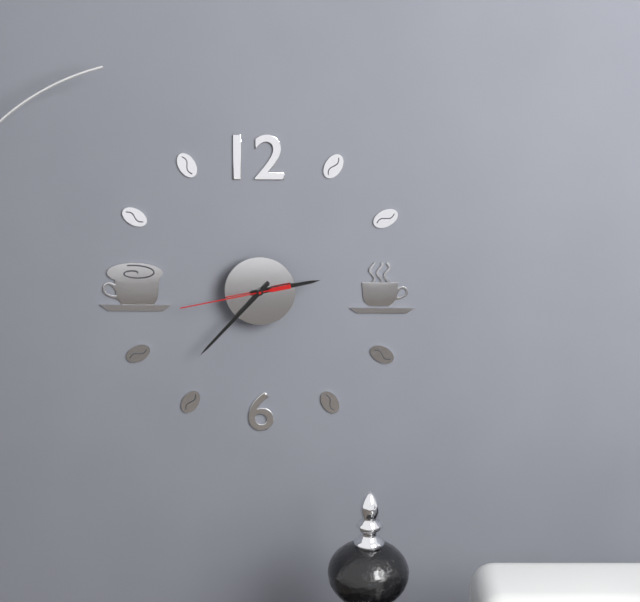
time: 2:37:43
